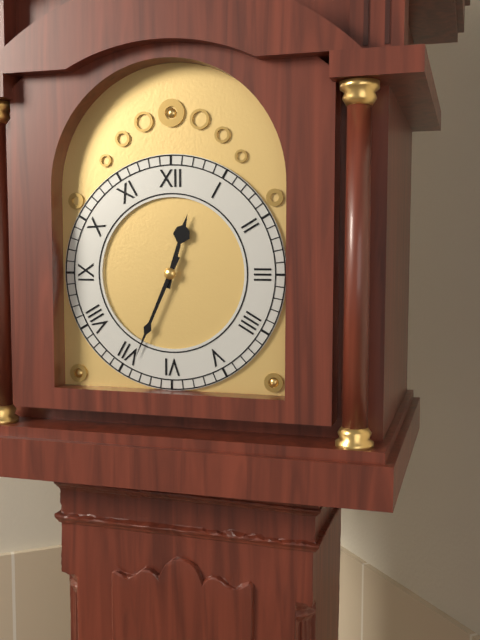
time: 12:34
